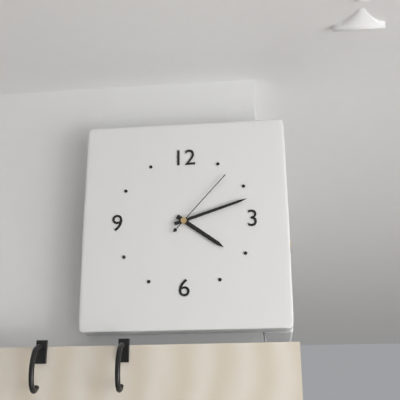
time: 4:12:07
